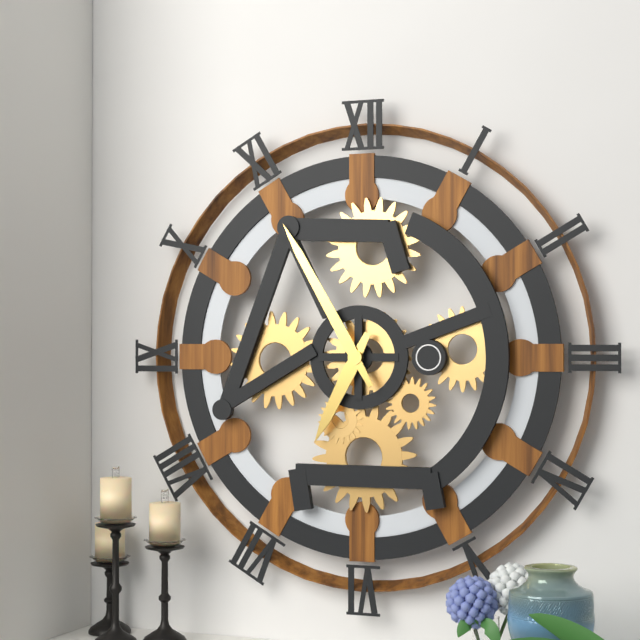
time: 6:55
